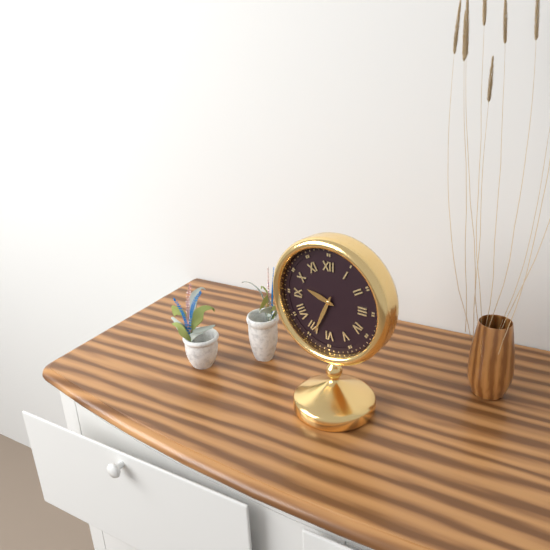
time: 9:34
